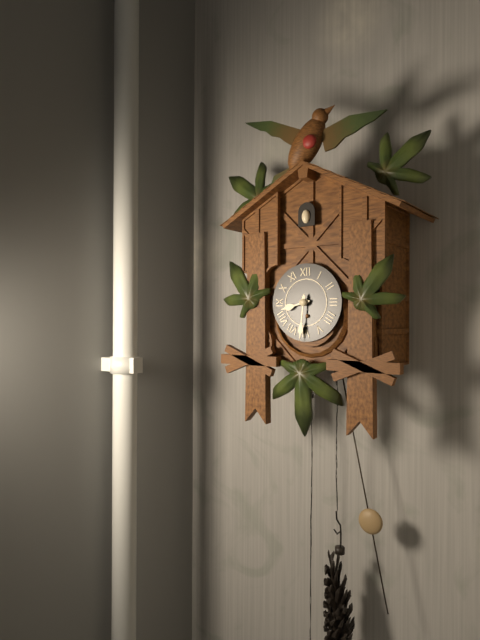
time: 8:31
